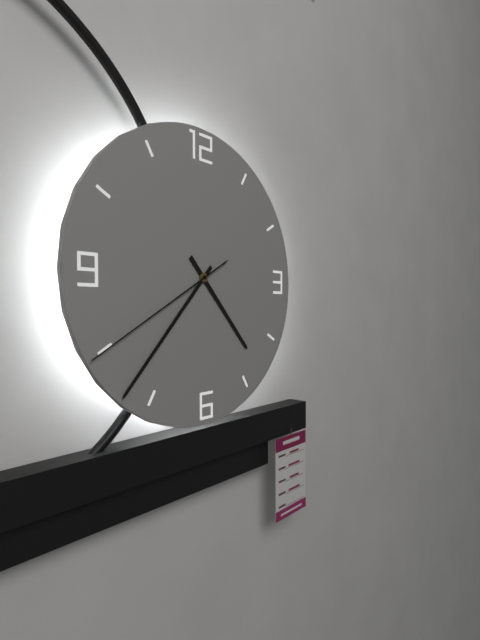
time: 4:37:40
